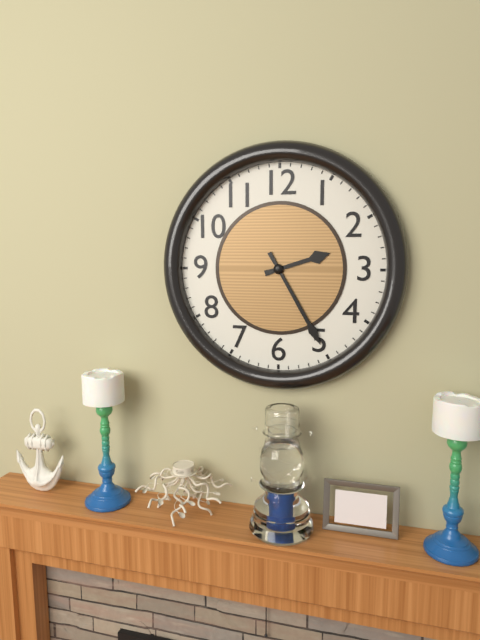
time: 2:25
